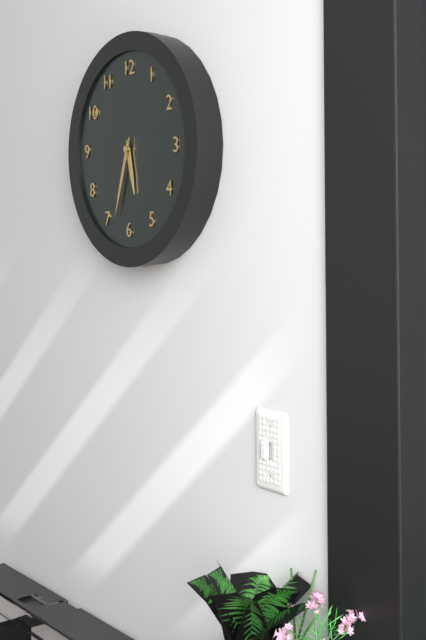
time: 5:33
